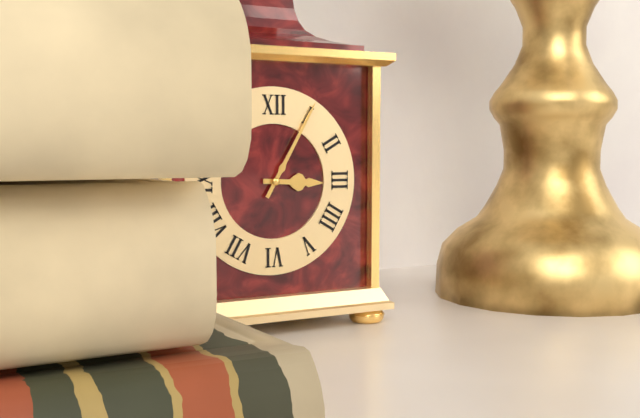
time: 3:05
